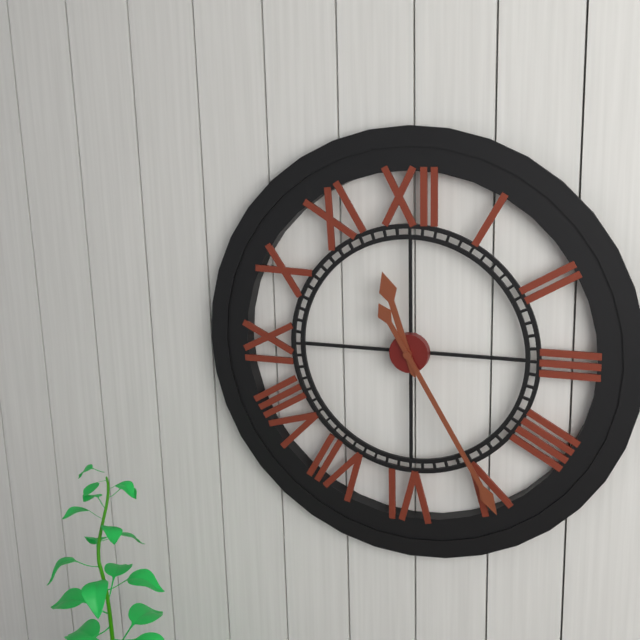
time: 11:25
